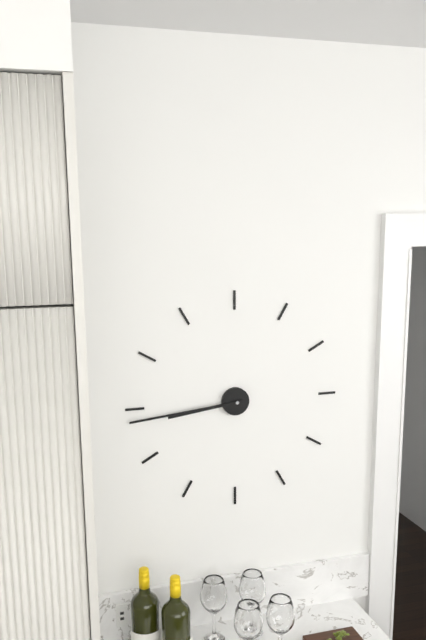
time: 8:44
